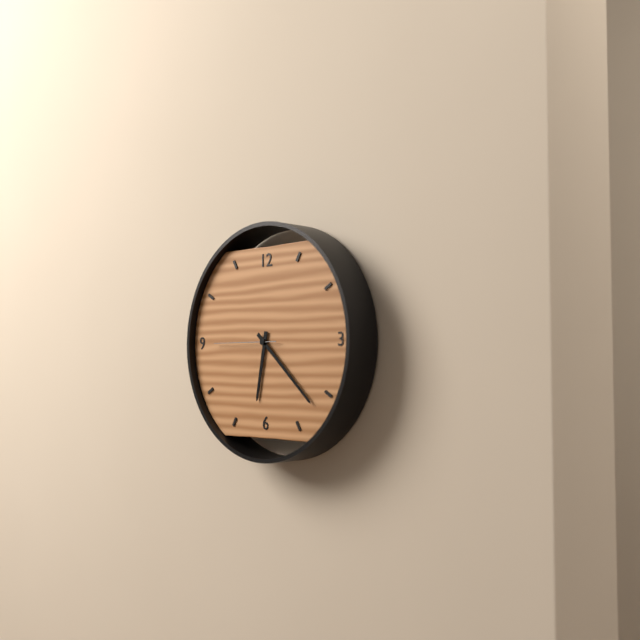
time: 6:22:45
